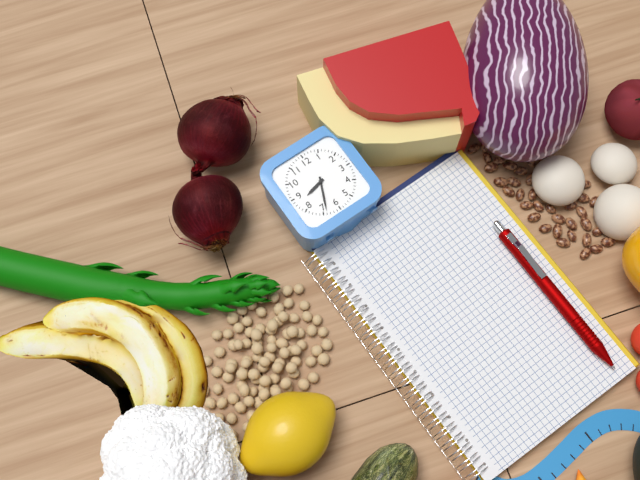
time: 8:34
